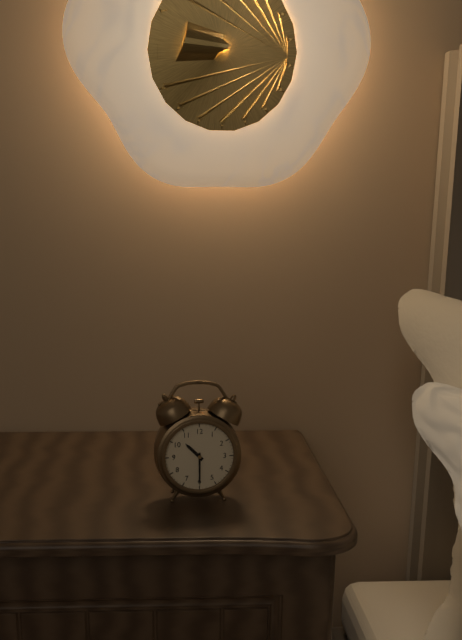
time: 10:30
